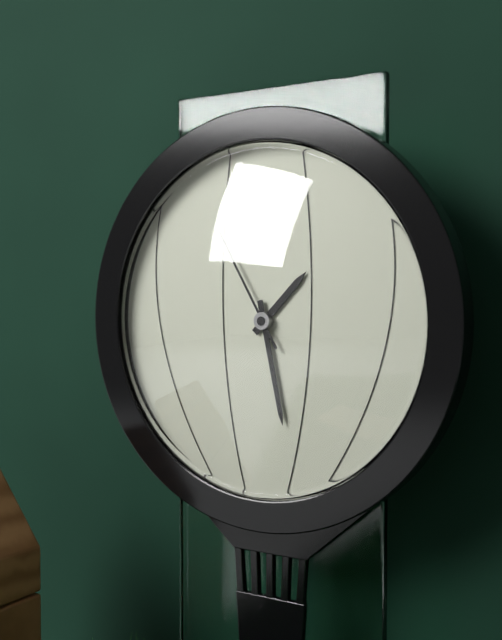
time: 1:28:55
